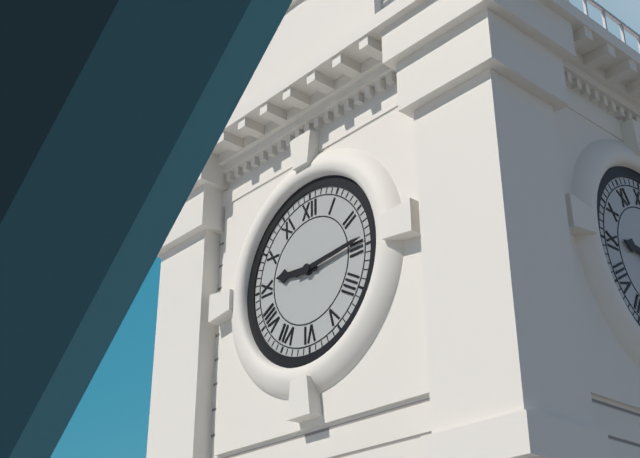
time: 9:14
